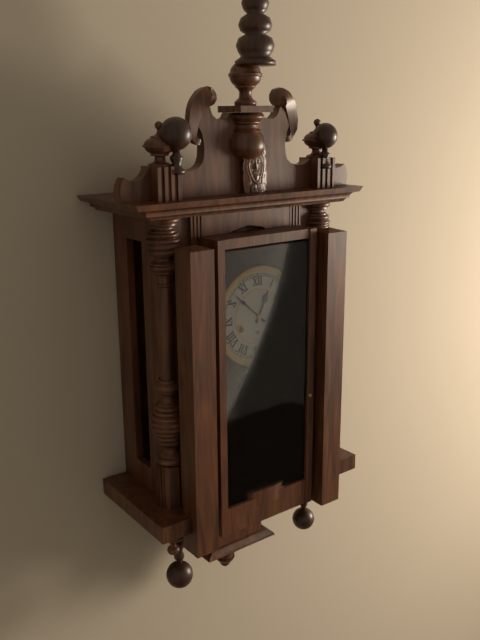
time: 12:52
